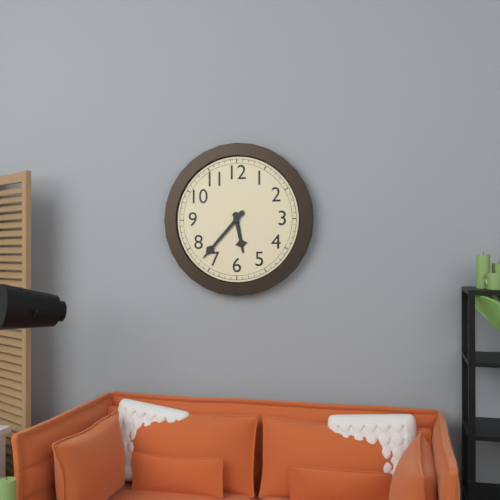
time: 5:37
